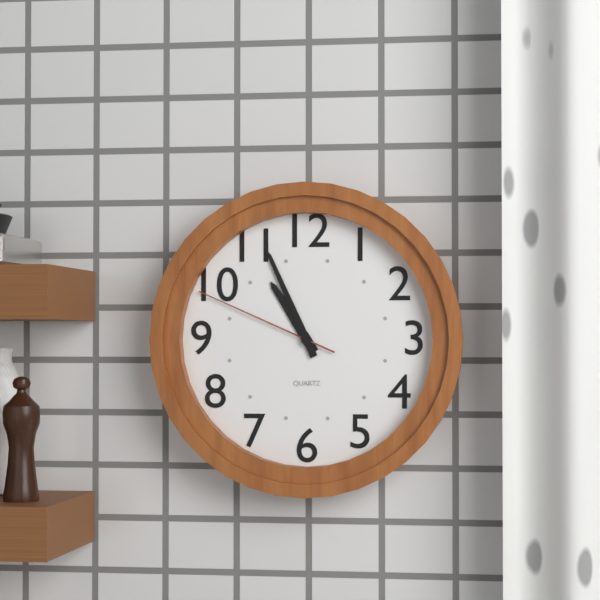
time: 10:56:49
